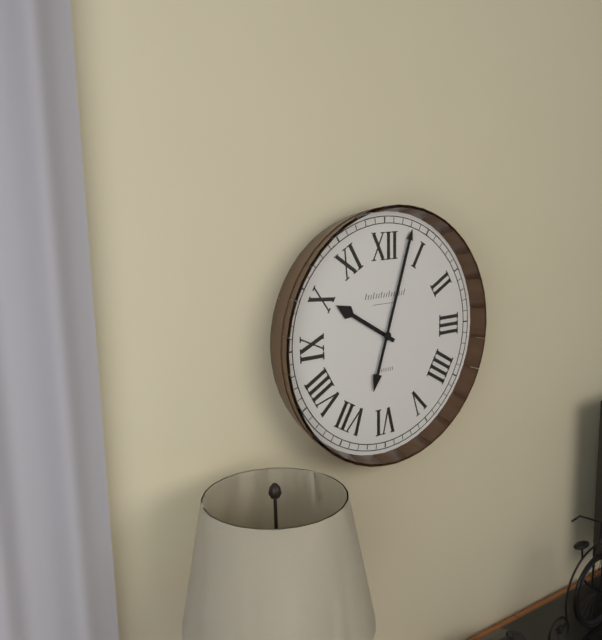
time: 10:03
